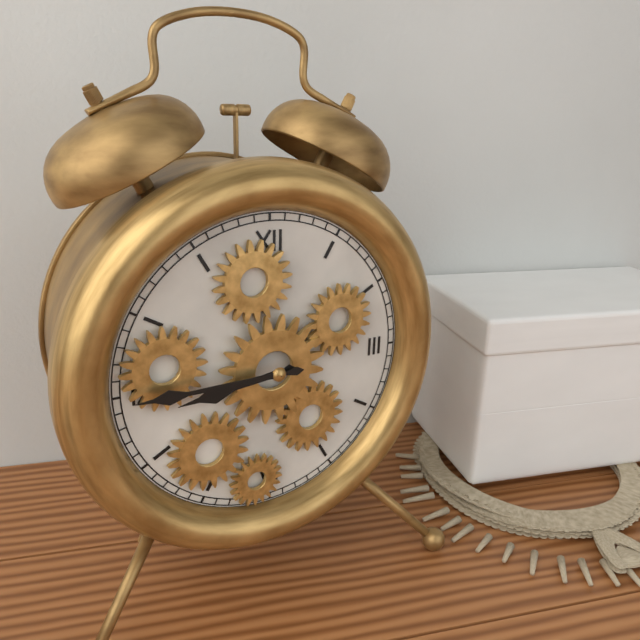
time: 8:45
